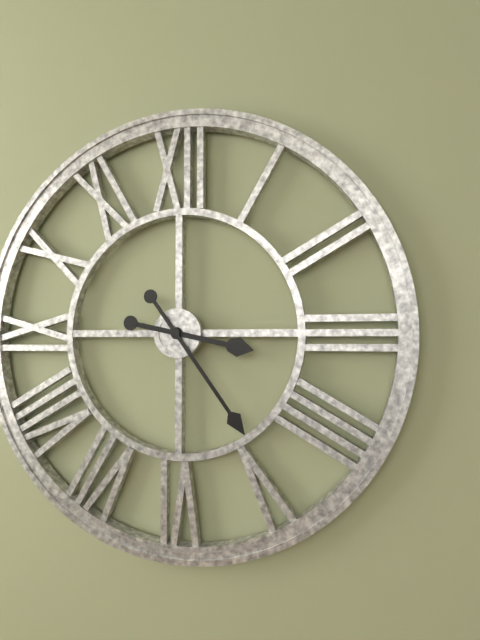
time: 3:24
